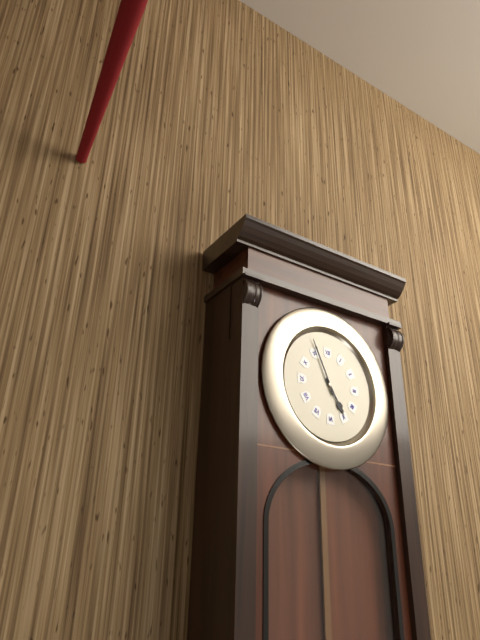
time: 4:56
